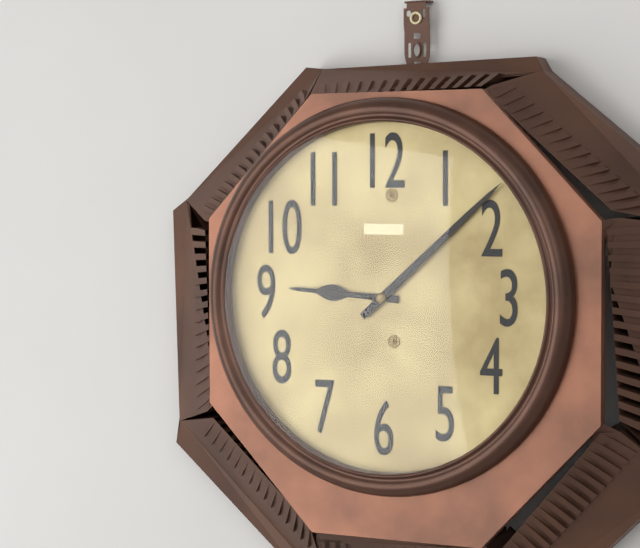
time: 9:08
